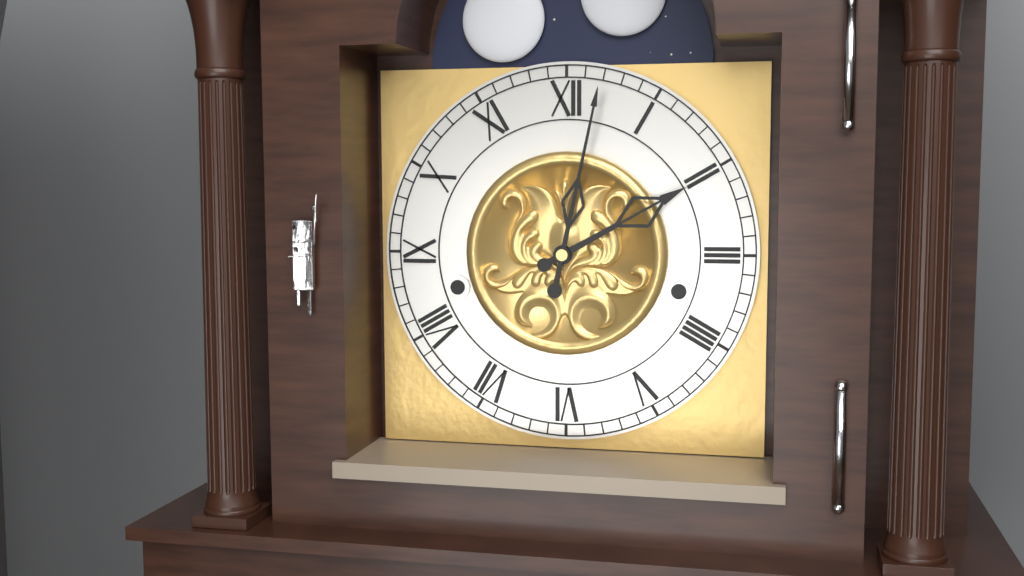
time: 2:02
